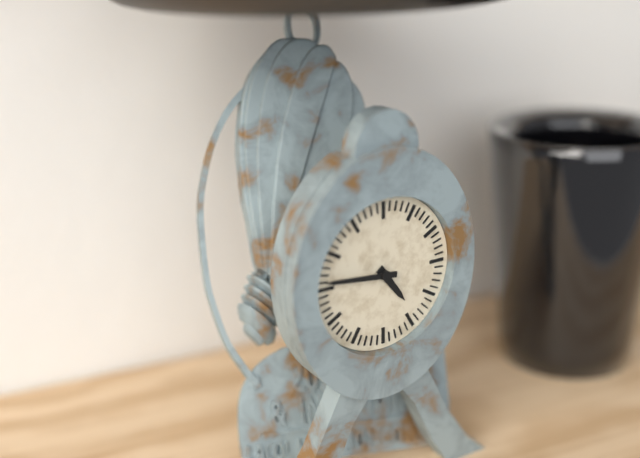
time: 4:46
